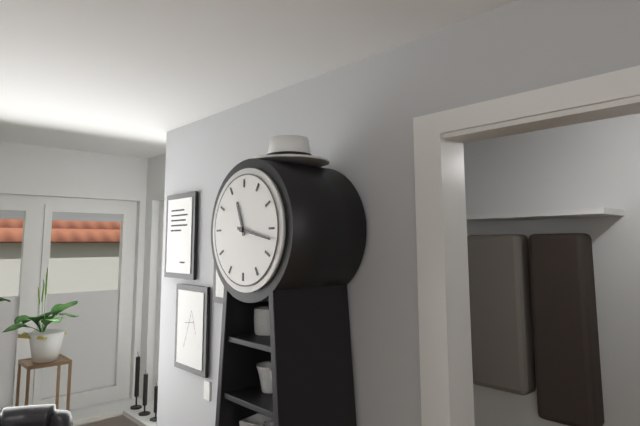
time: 11:17
